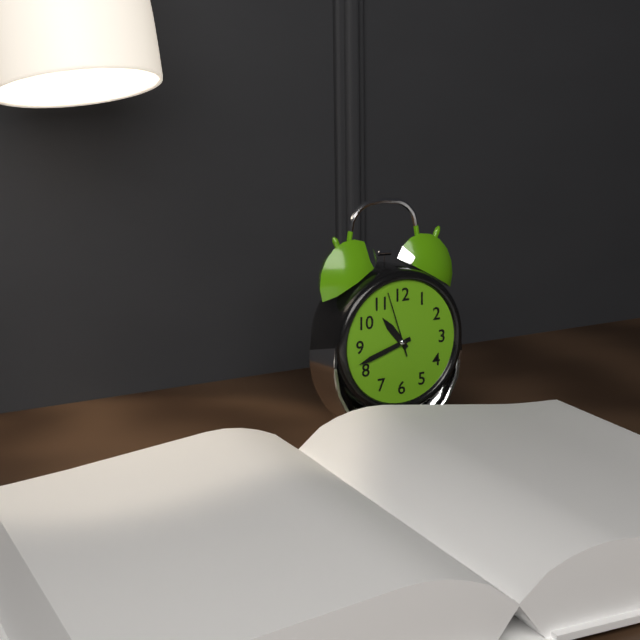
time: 10:42:57
